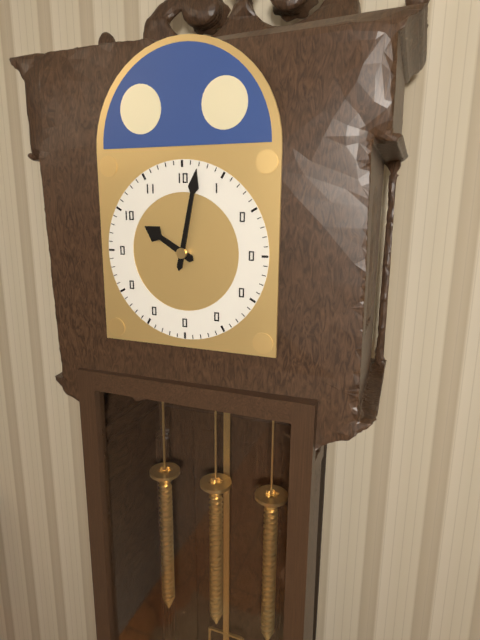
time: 10:02
